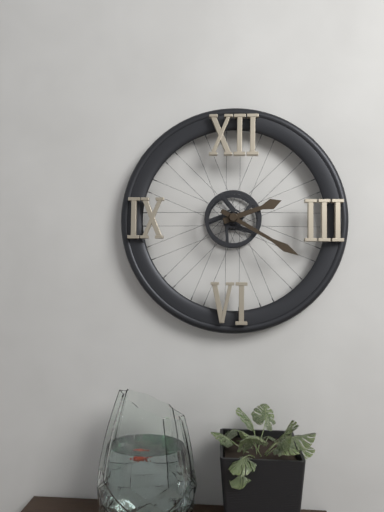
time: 2:20
